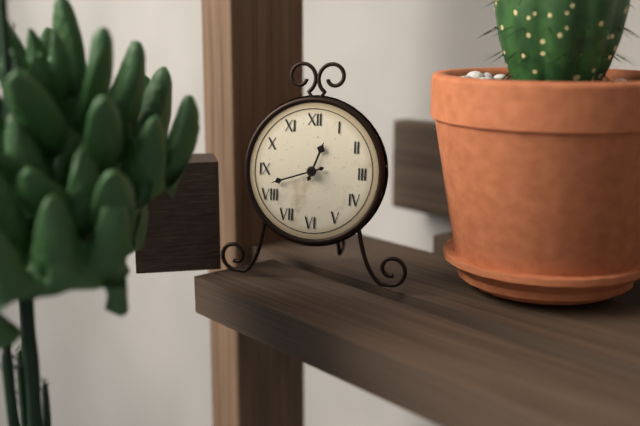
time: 12:42
